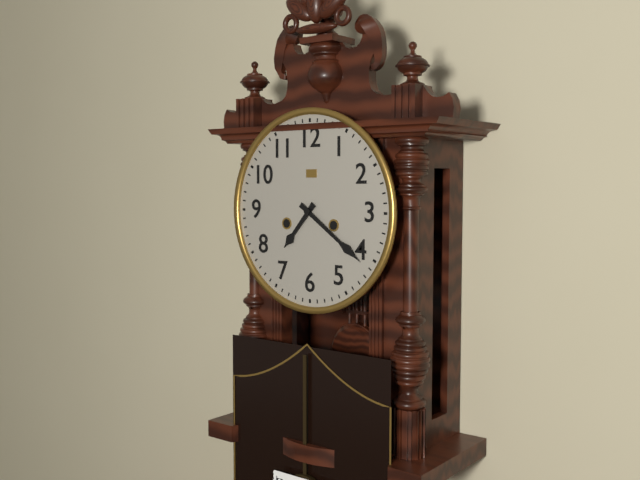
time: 7:21
